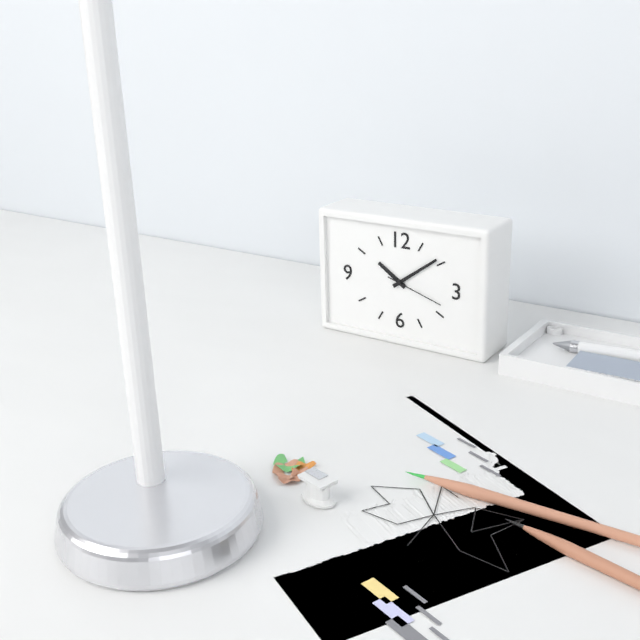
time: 10:09:18
